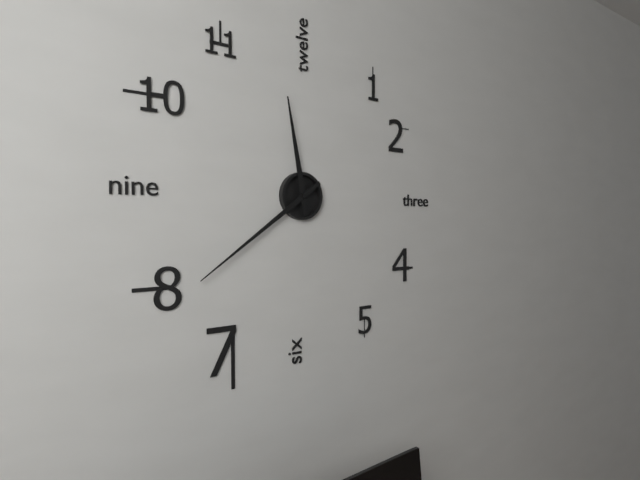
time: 11:39
